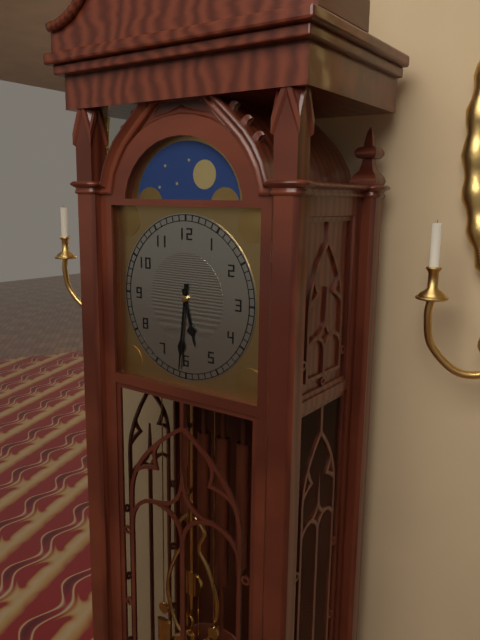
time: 5:31
